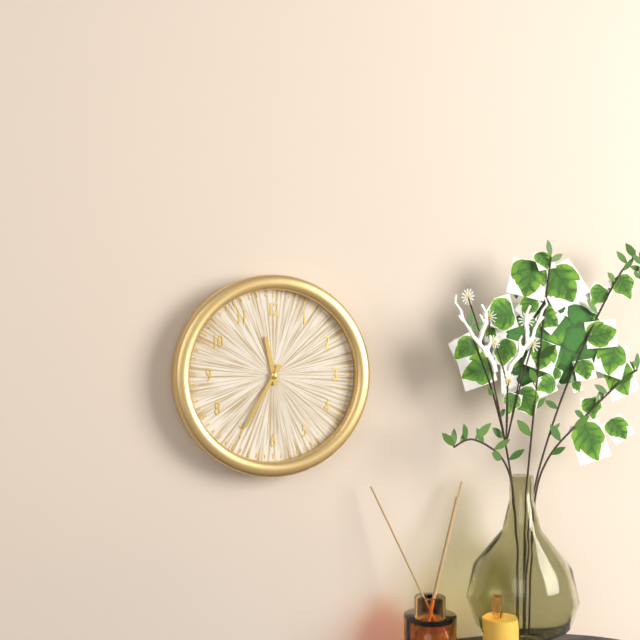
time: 11:35
